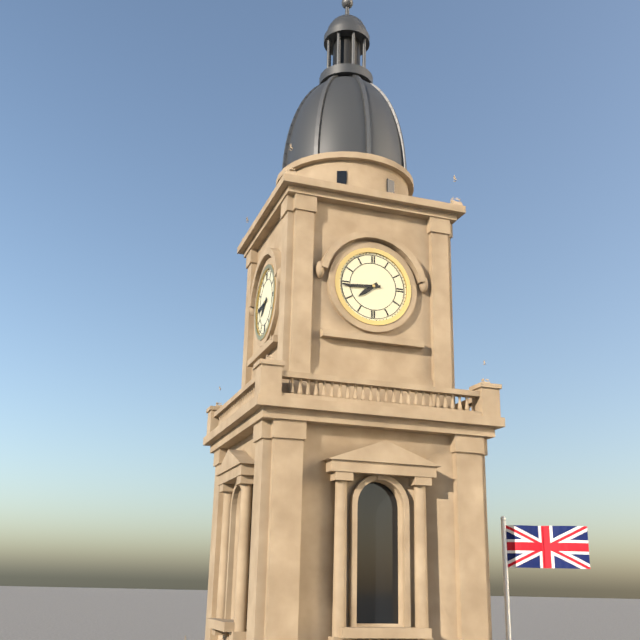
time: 7:44
